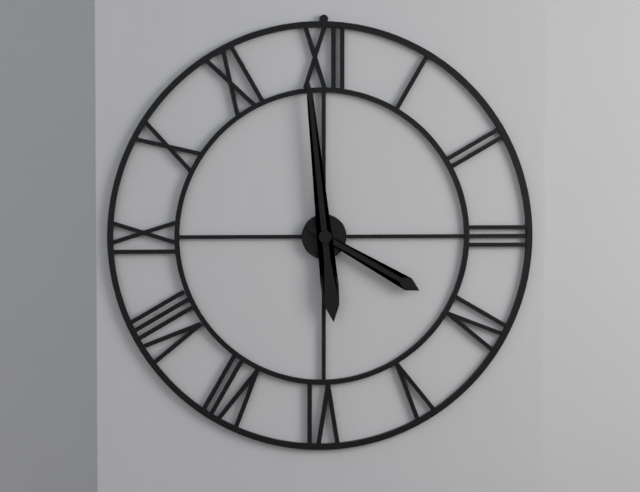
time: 3:59
